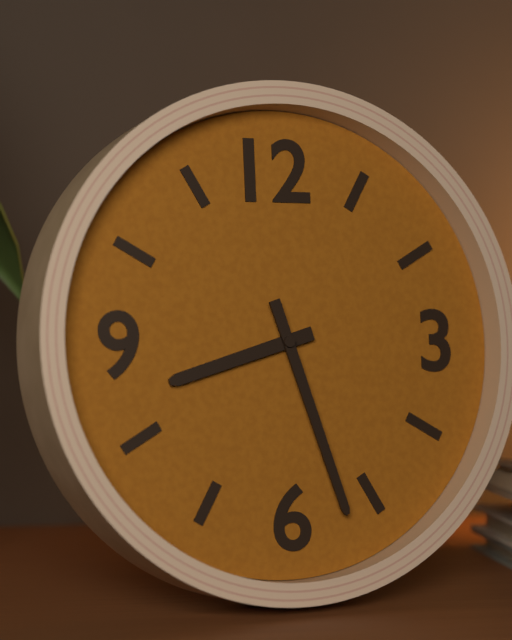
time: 8:27
